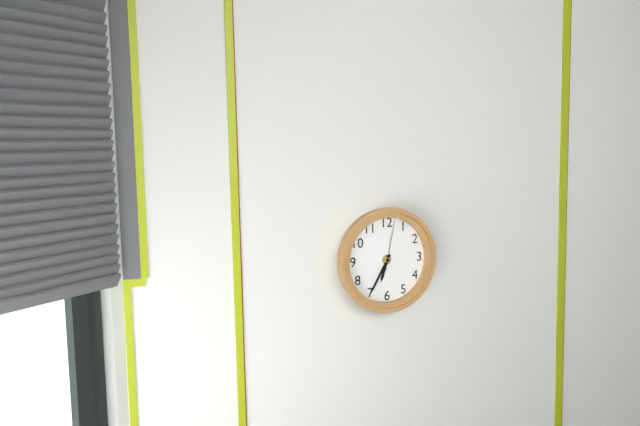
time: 6:35
